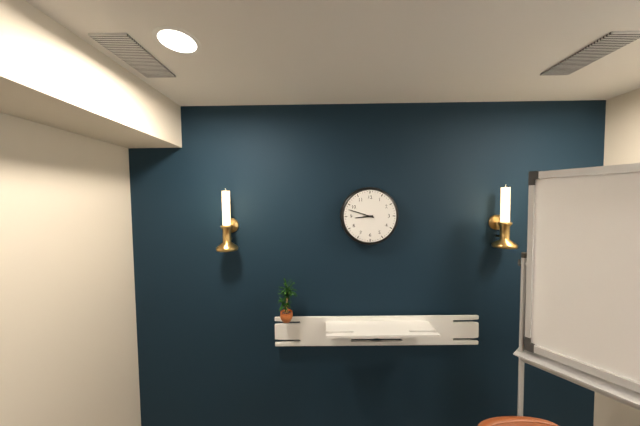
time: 8:48
